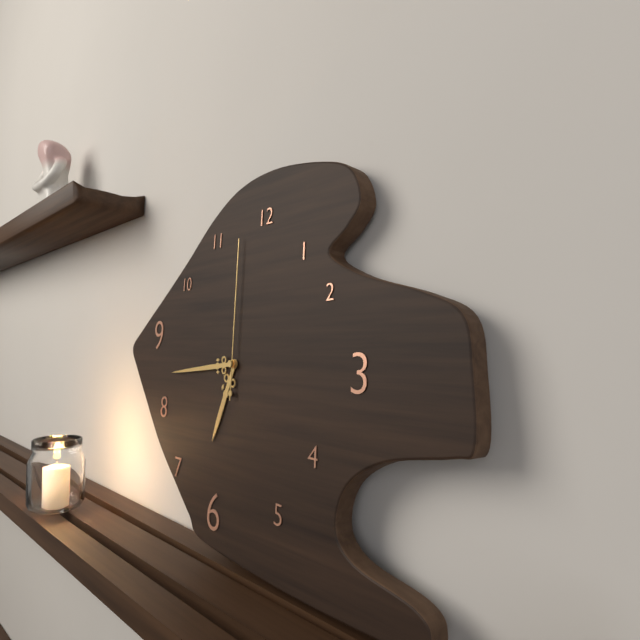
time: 6:44:00
